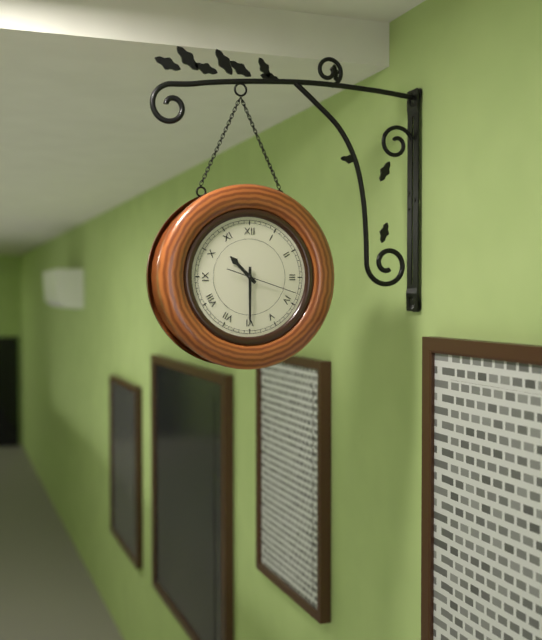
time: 10:30:18
